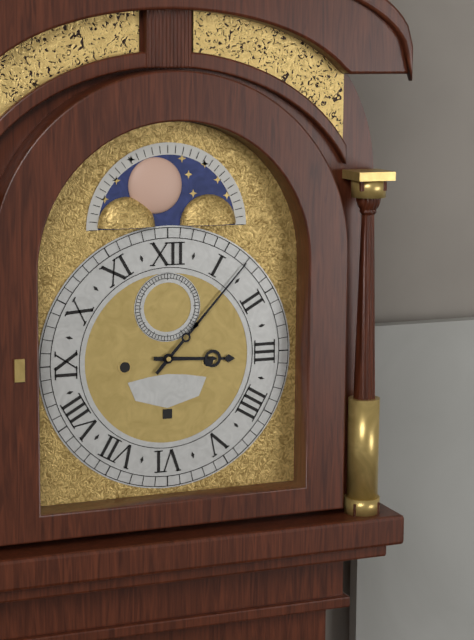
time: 3:07
